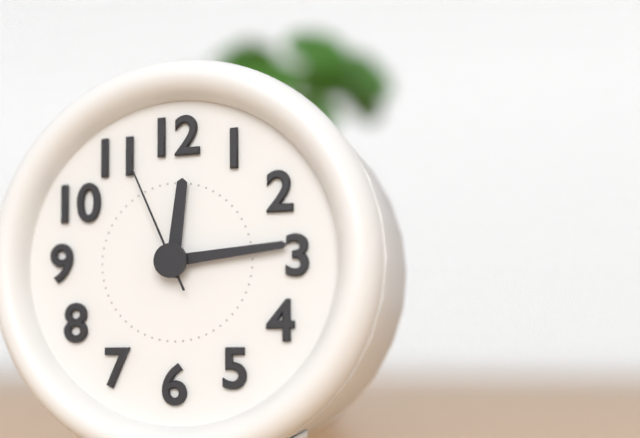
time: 12:14:56
